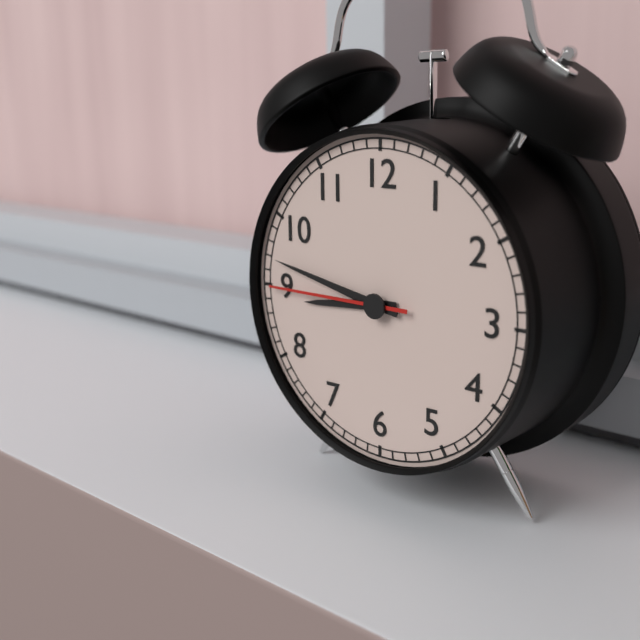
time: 8:47:45
